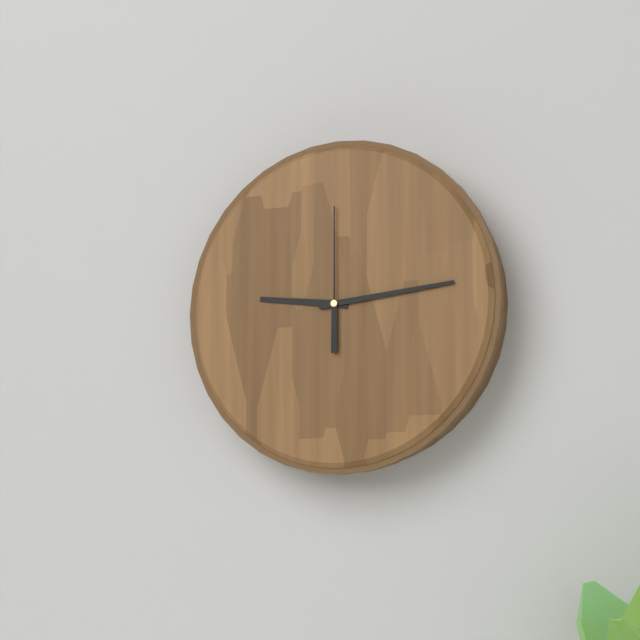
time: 9:14:00
